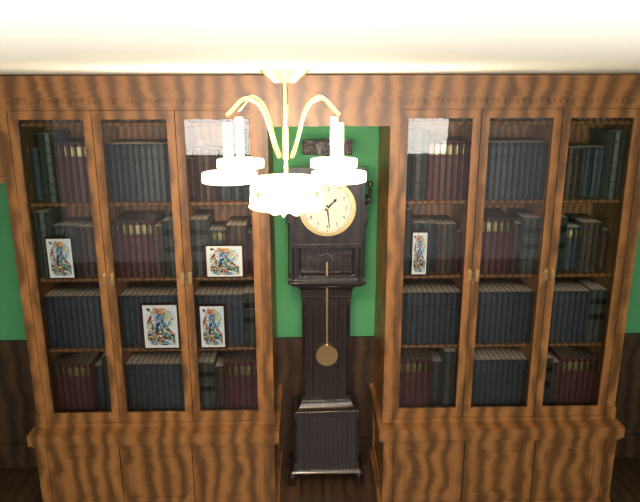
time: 1:29
